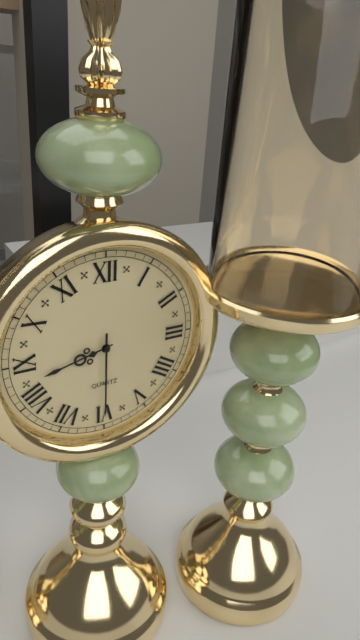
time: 8:30
